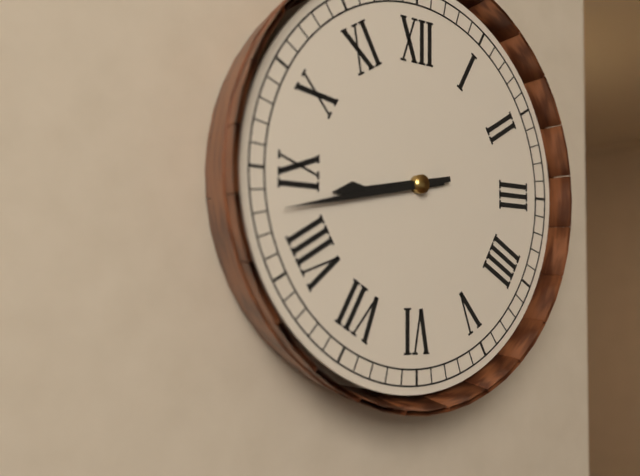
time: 8:43
